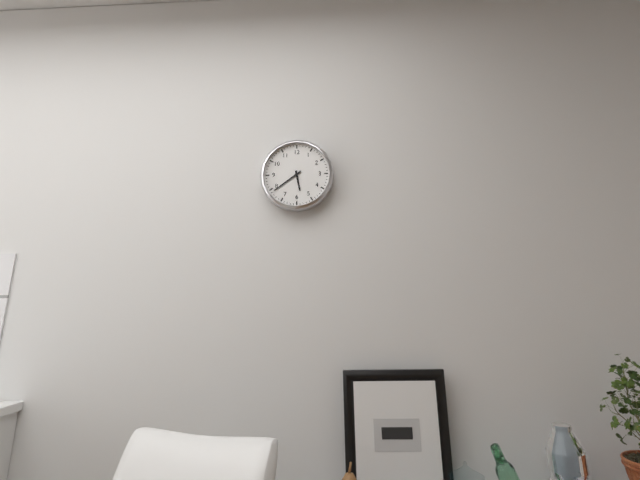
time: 5:39
